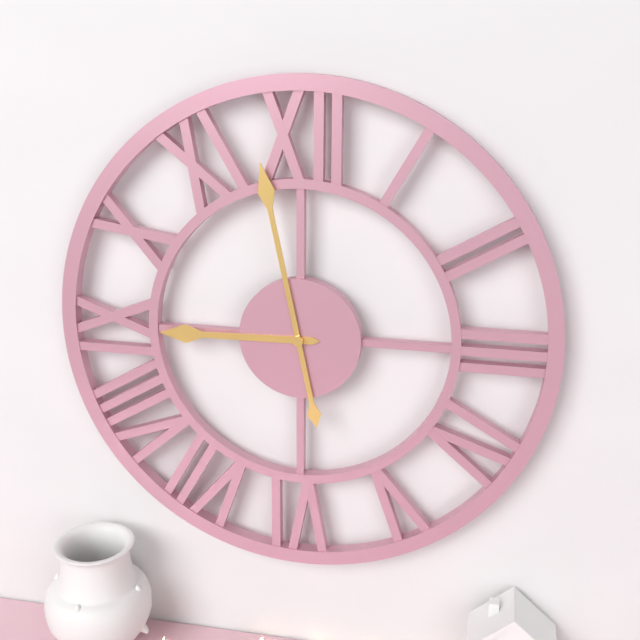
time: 8:58
